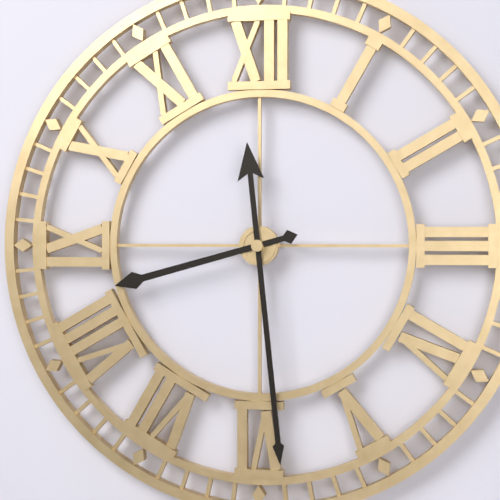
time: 8:29
